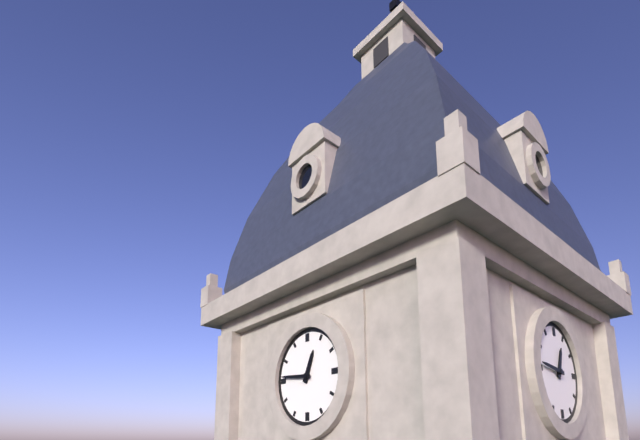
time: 12:46
